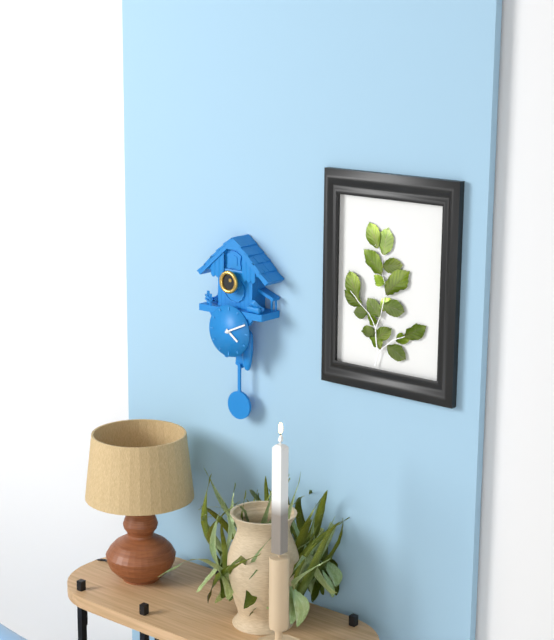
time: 4:11
